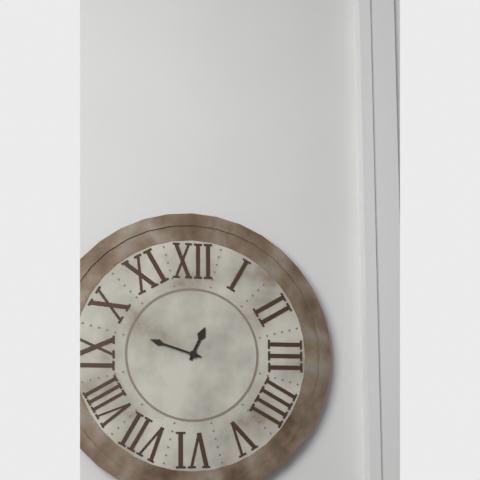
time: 12:48
